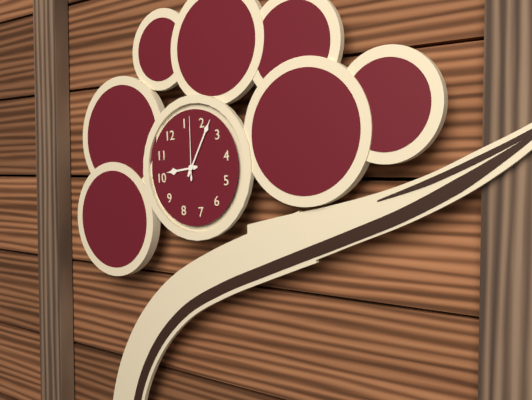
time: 10:12:07
